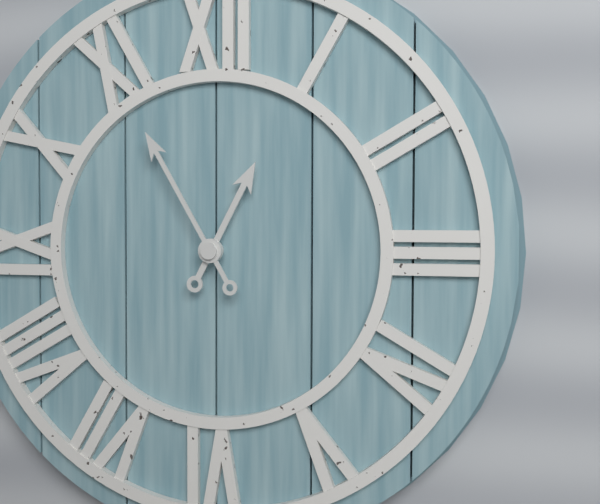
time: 12:55
